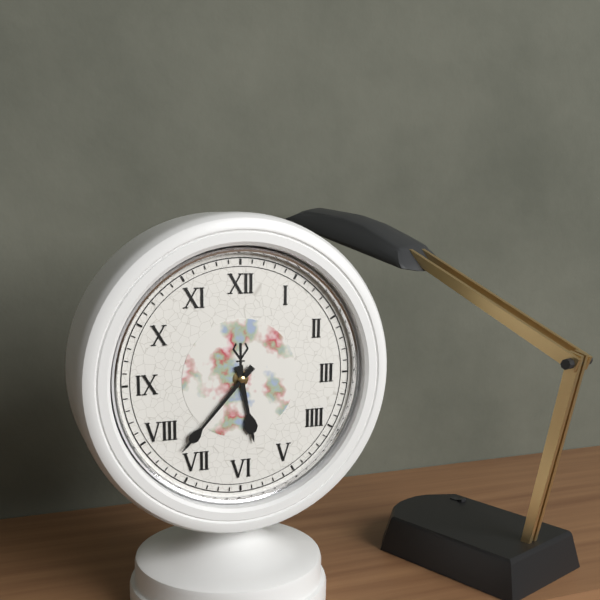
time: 5:37
